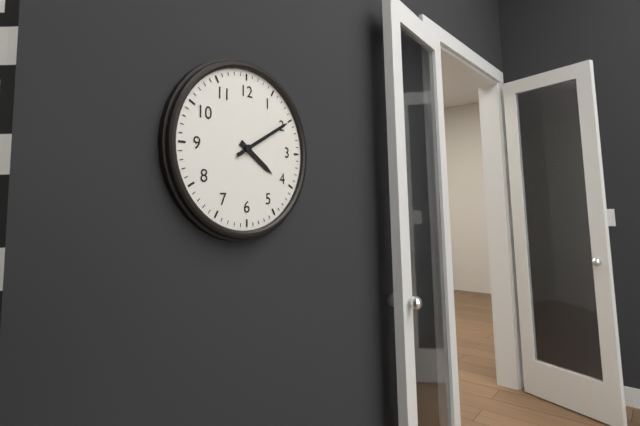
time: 4:10
